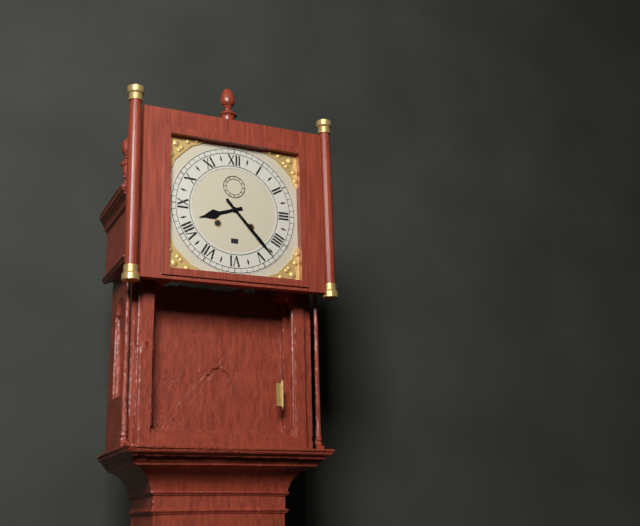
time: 8:23
